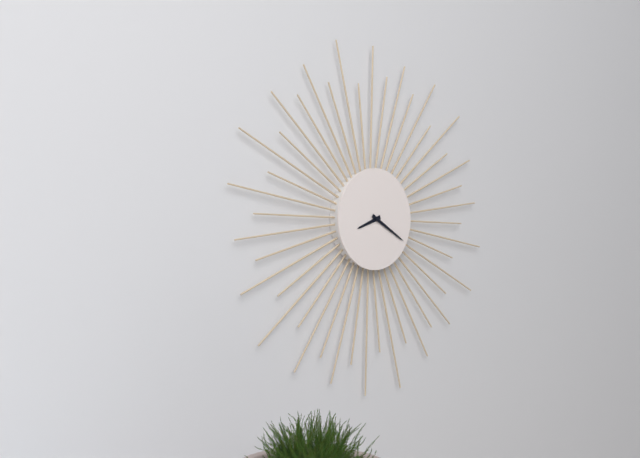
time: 8:20
